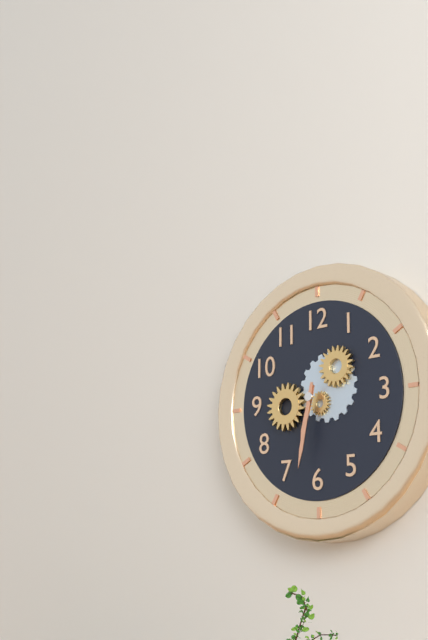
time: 6:32
